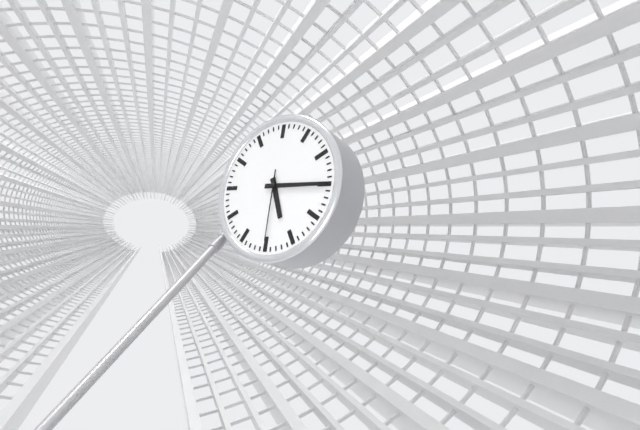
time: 5:15:30
